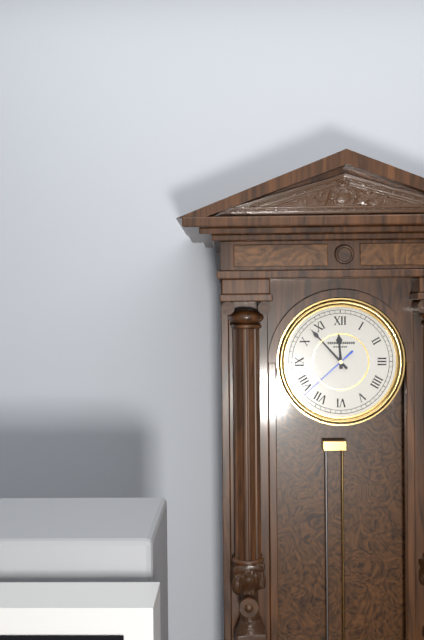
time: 11:53:38
